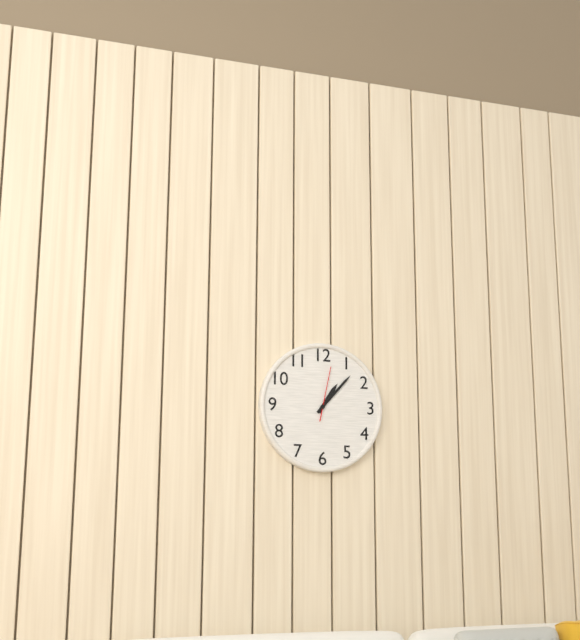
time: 1:07:02
